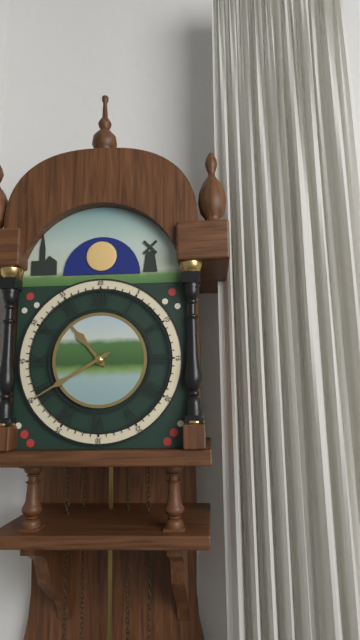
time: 10:40
